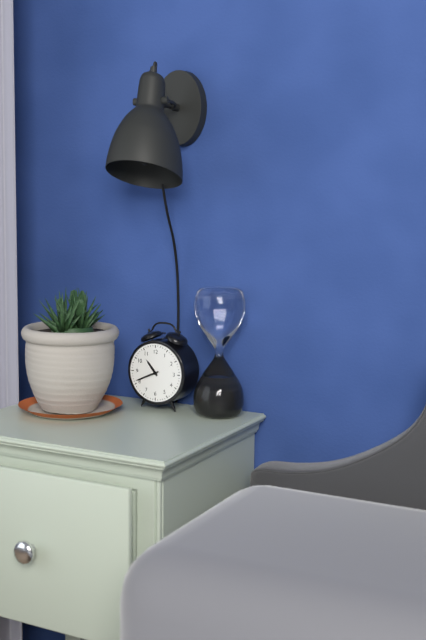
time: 10:41
